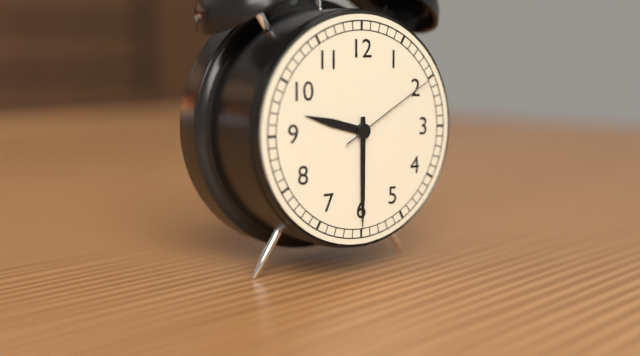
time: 9:30:10
